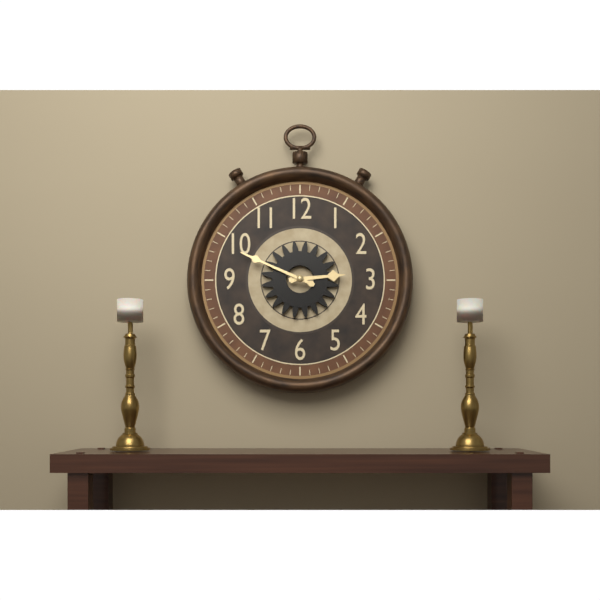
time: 2:49
